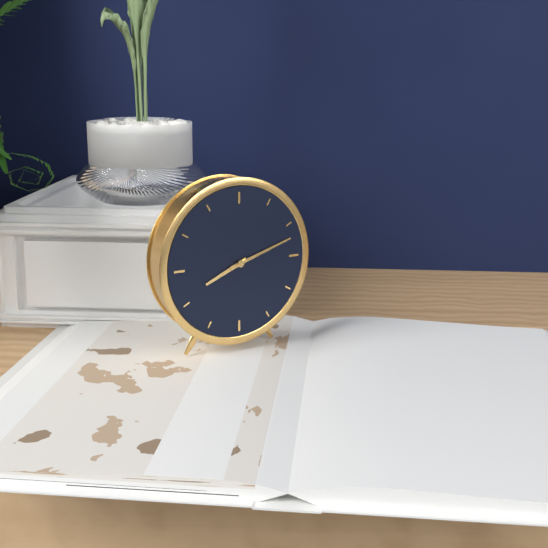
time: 8:12
